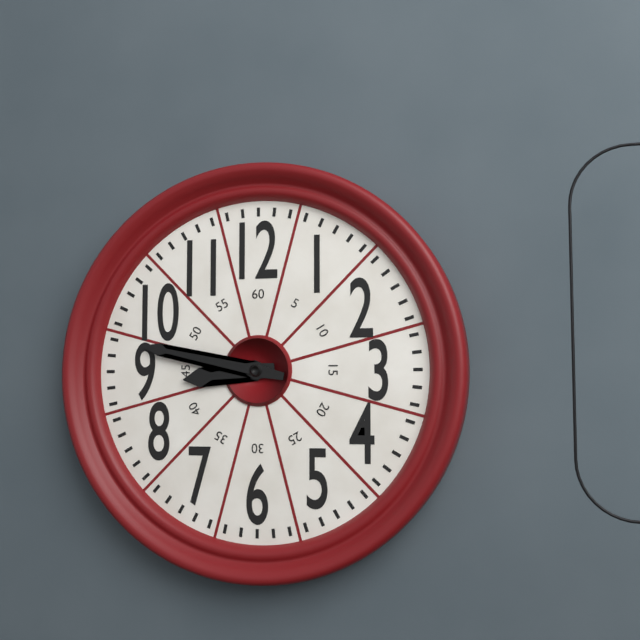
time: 8:47
